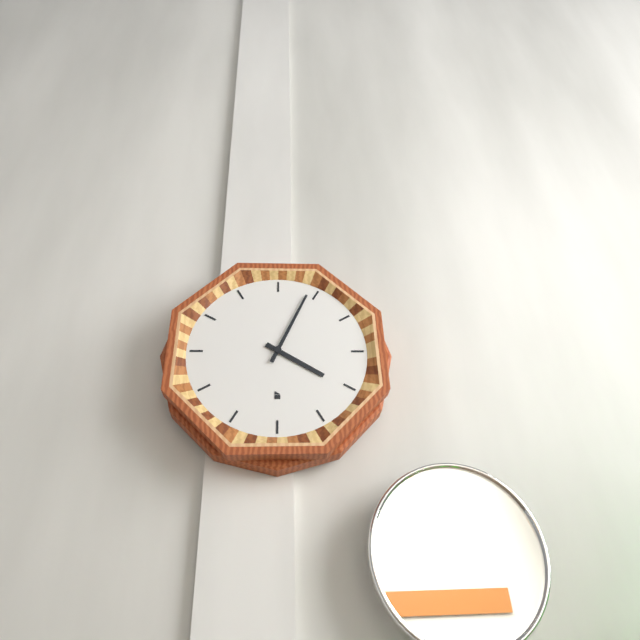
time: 4:04
